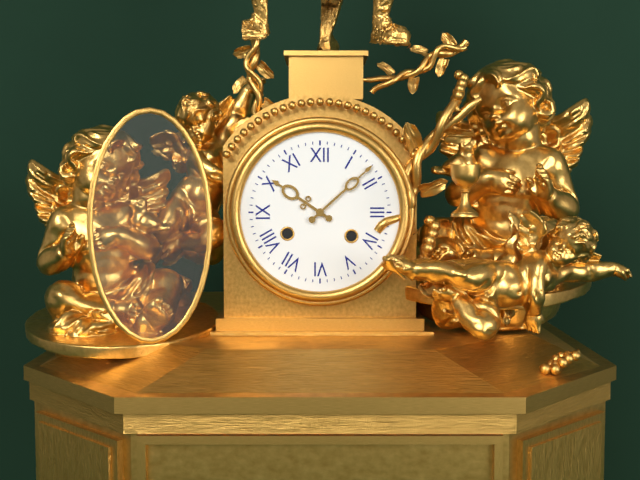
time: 10:08
